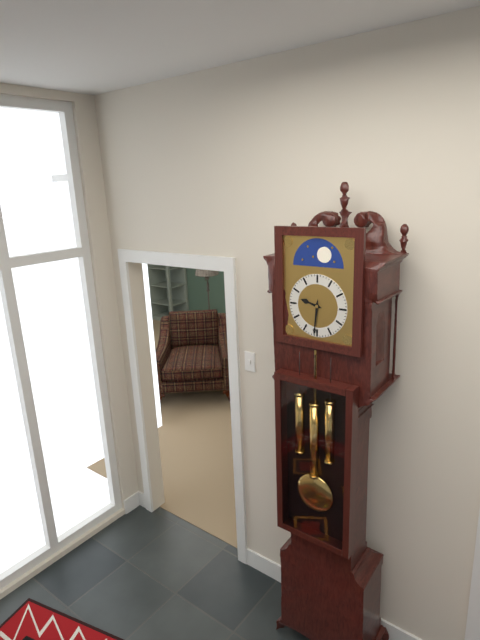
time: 9:31
